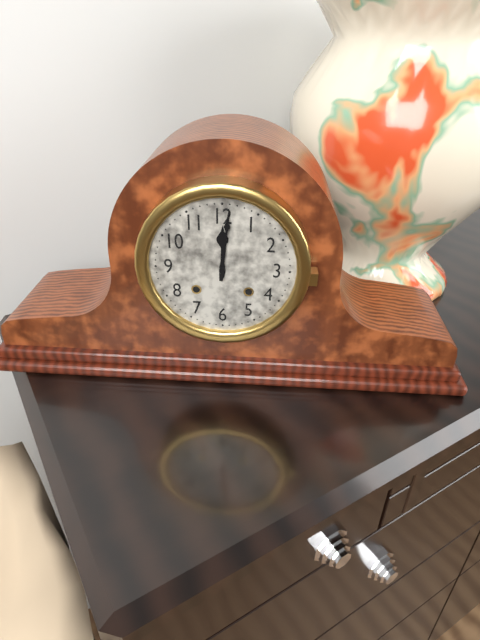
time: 12:01
